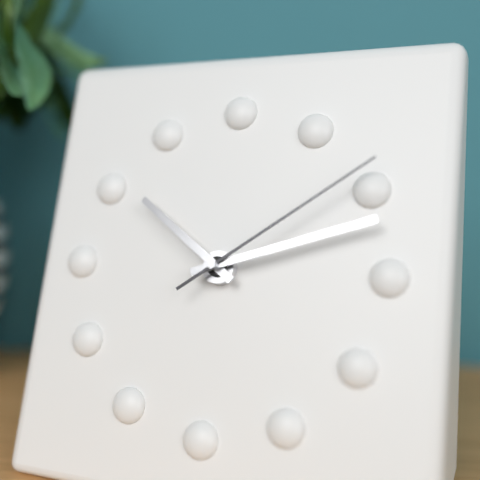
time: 10:12:09
